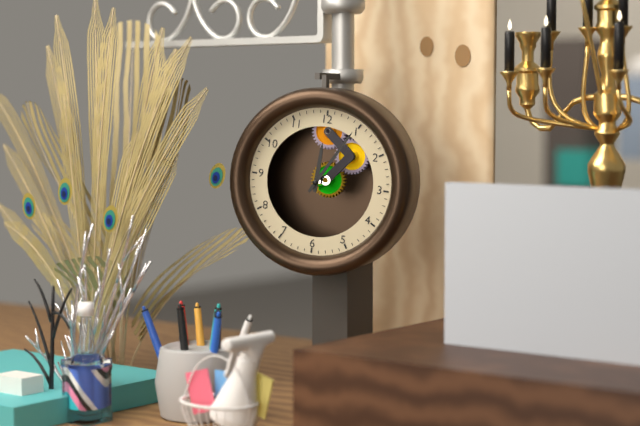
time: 12:05
